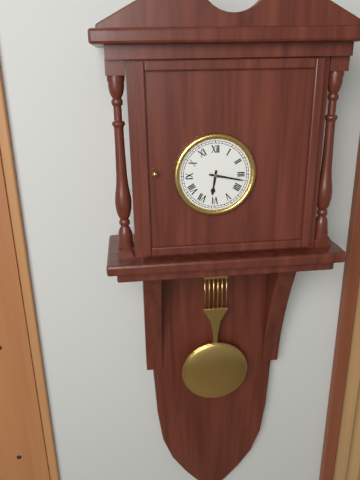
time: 6:17
